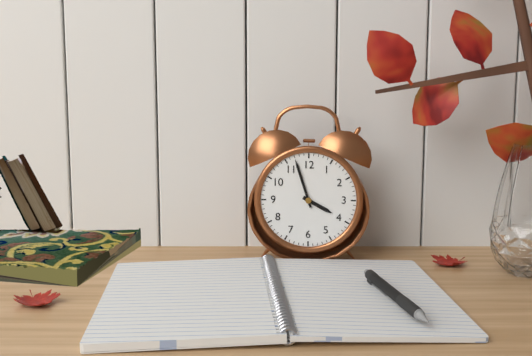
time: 3:57
